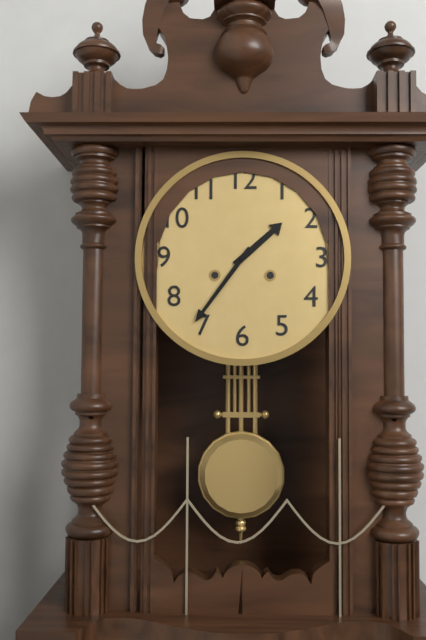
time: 1:36
